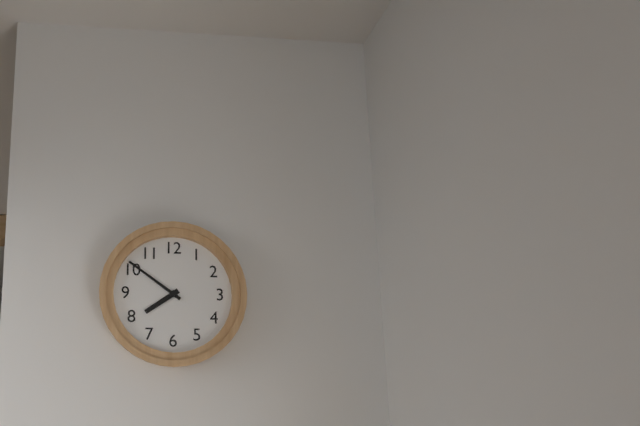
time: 7:51
